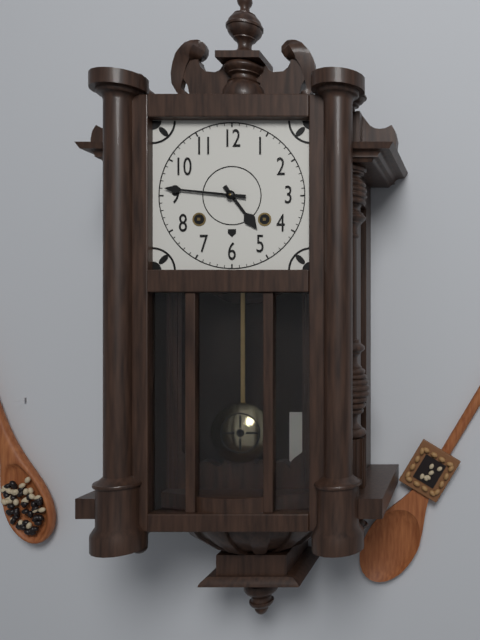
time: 4:46
